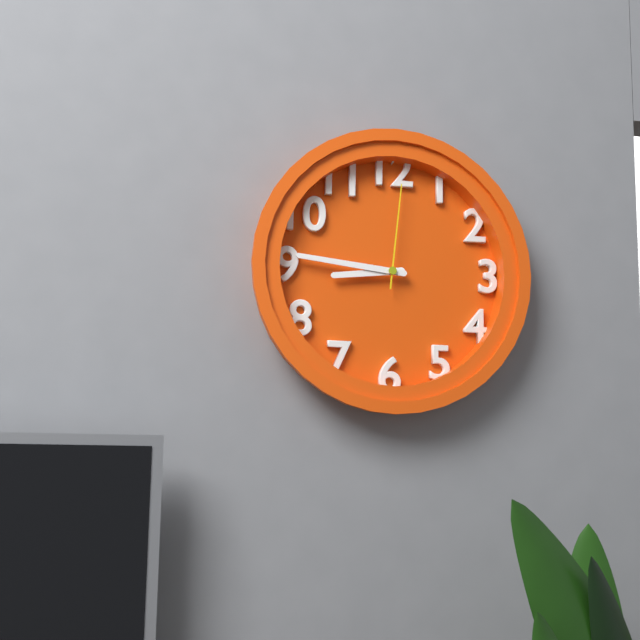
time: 8:46:01
